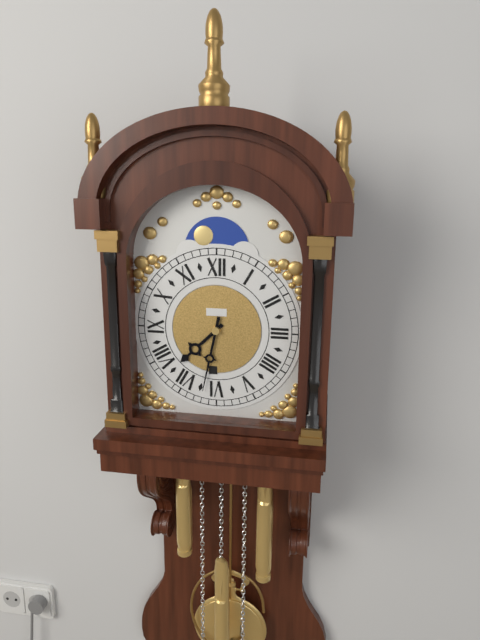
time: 7:32
